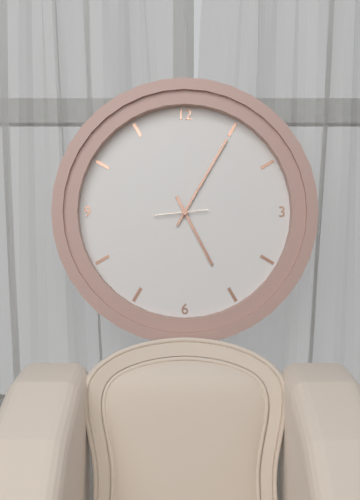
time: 5:05
